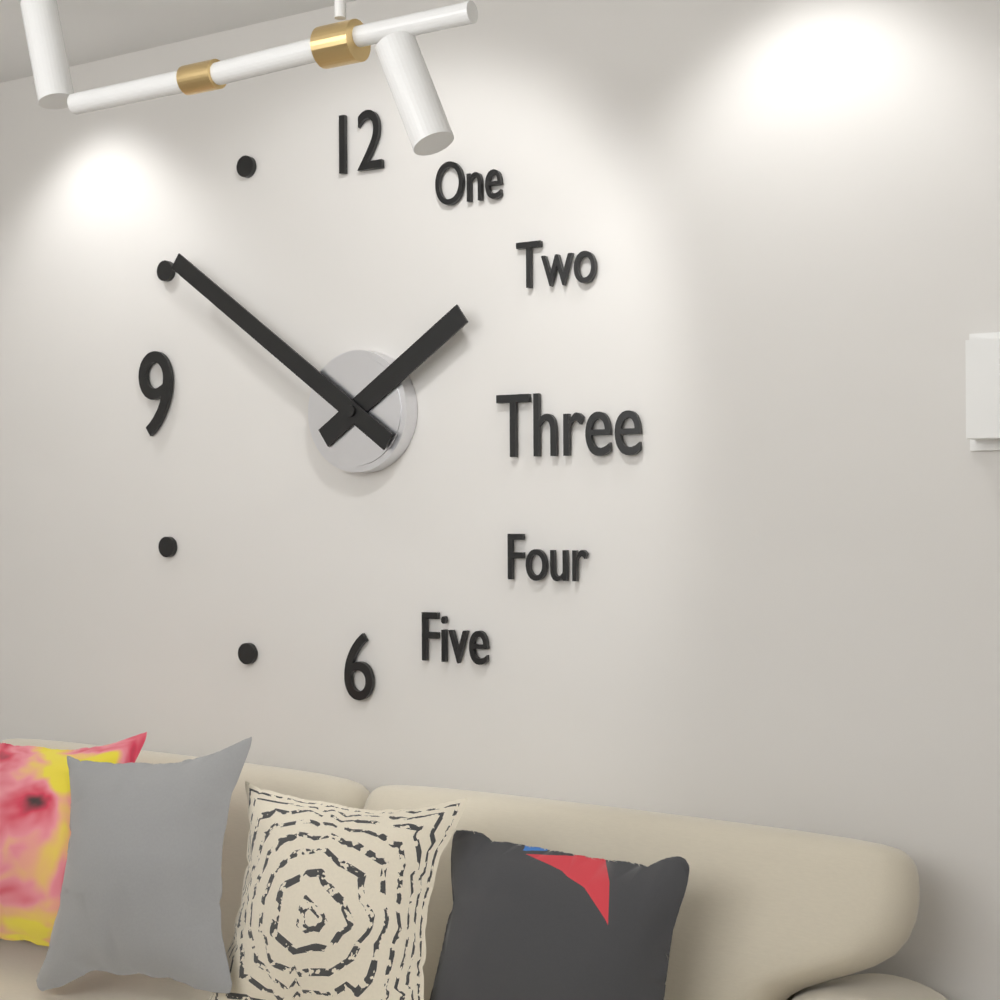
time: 1:51
